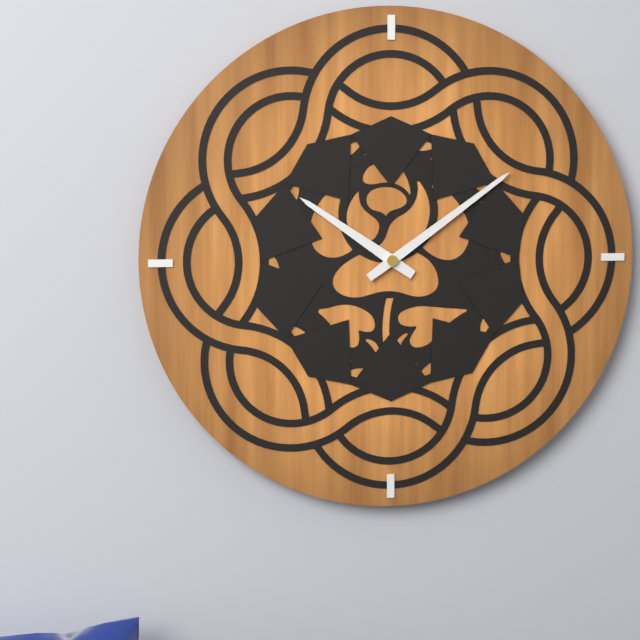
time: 10:09
